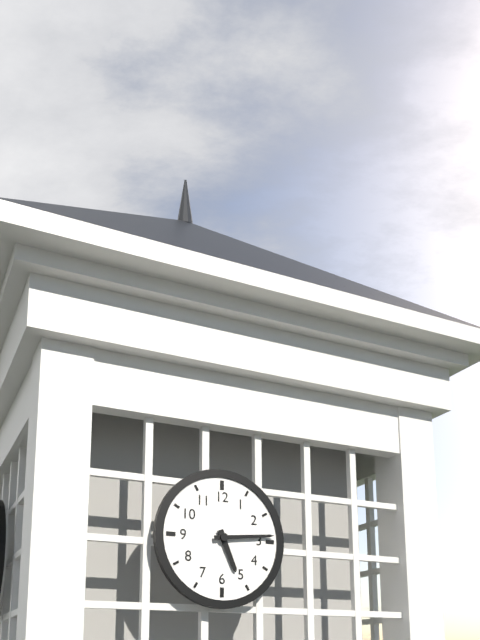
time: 5:14
